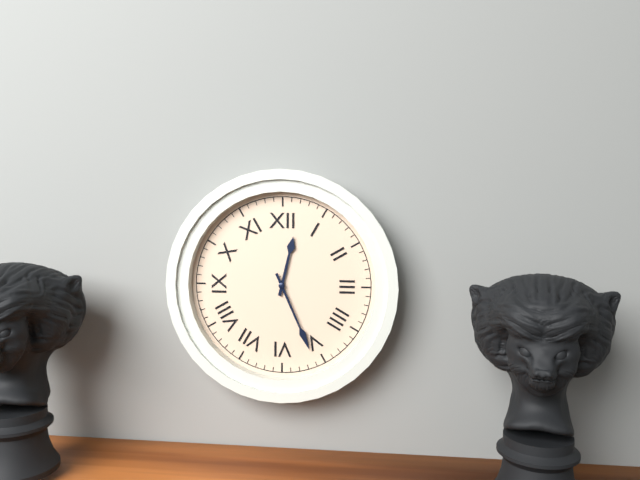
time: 12:26
